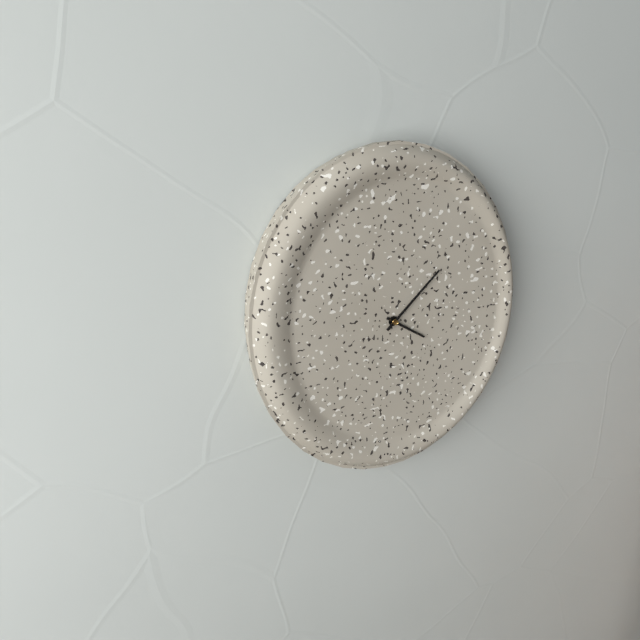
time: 4:08
